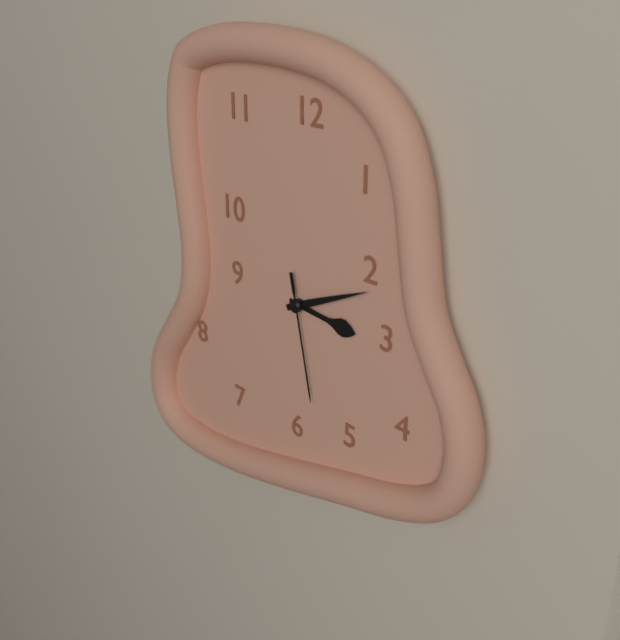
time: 3:11:28
